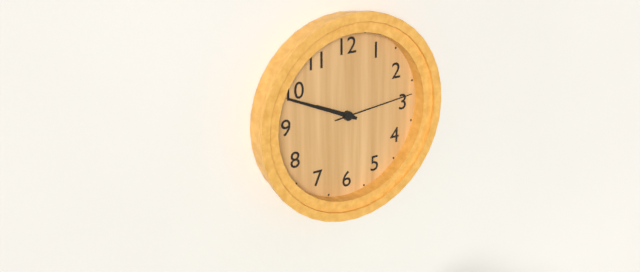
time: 9:49:14
